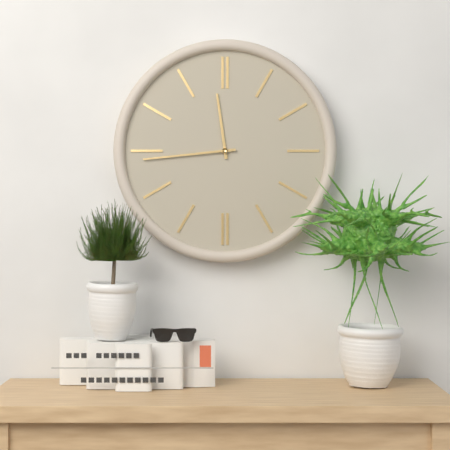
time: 11:44
